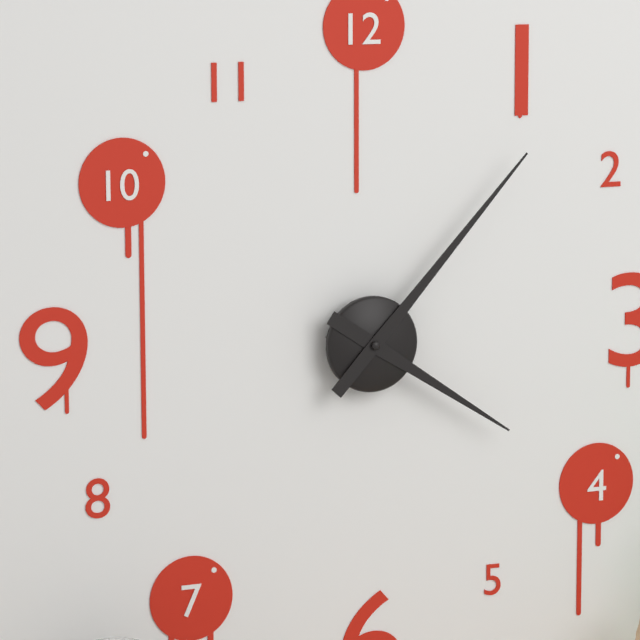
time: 4:07
